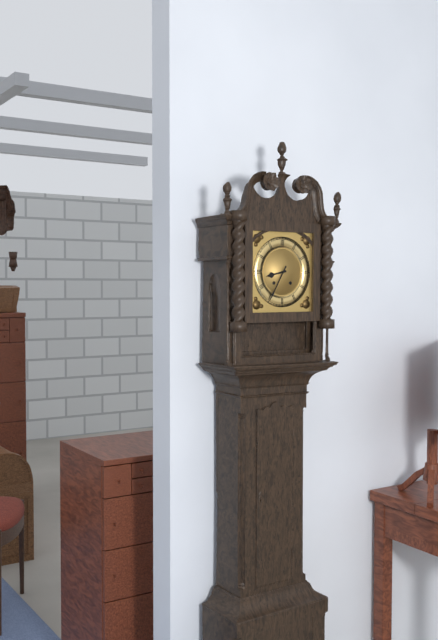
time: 8:35
